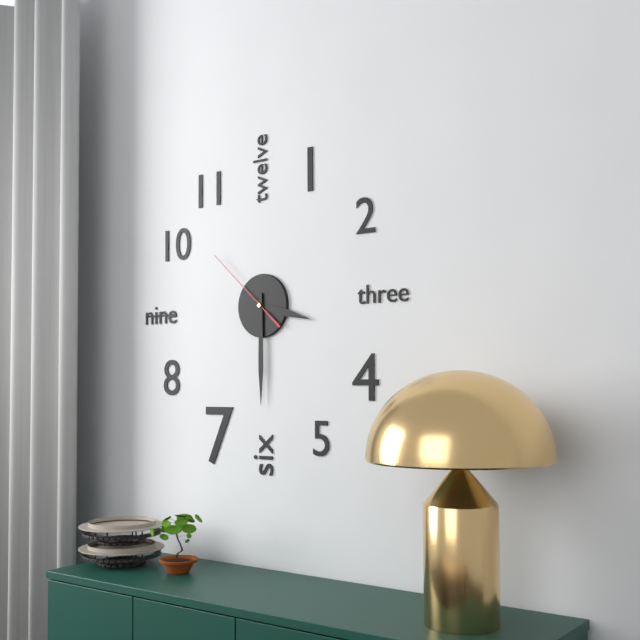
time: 3:30:52
